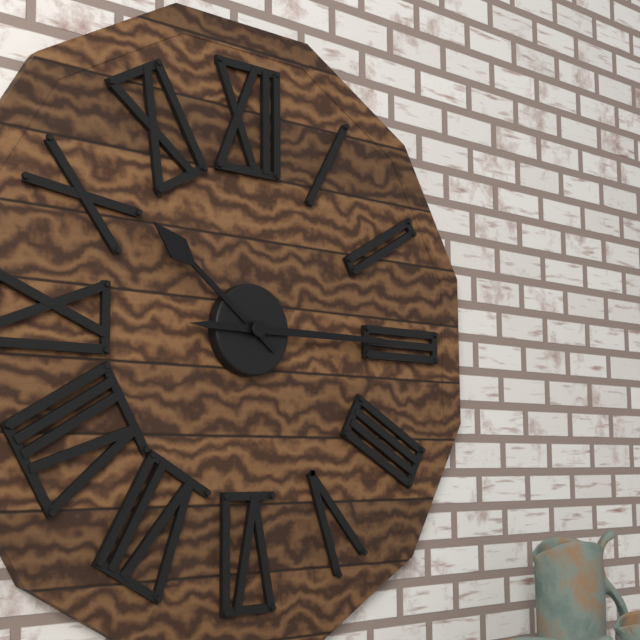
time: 10:15
